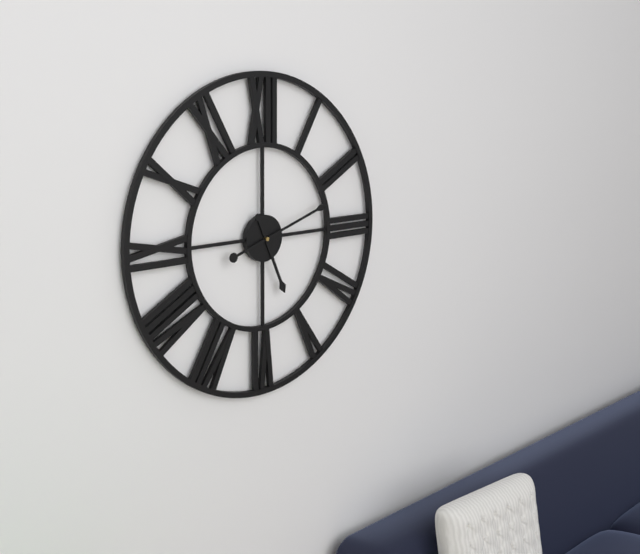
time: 5:12
